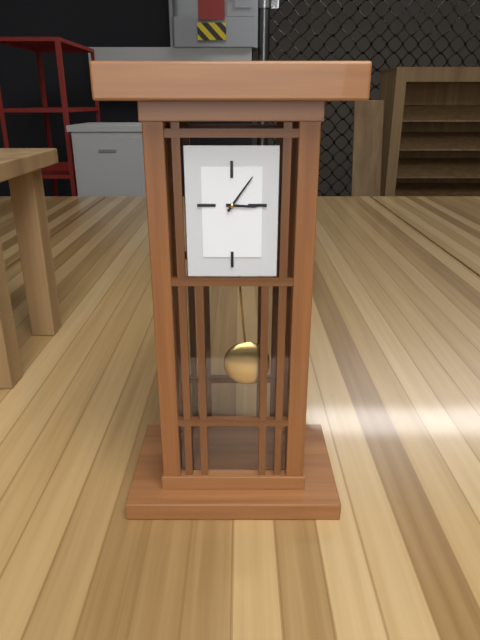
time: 3:06
